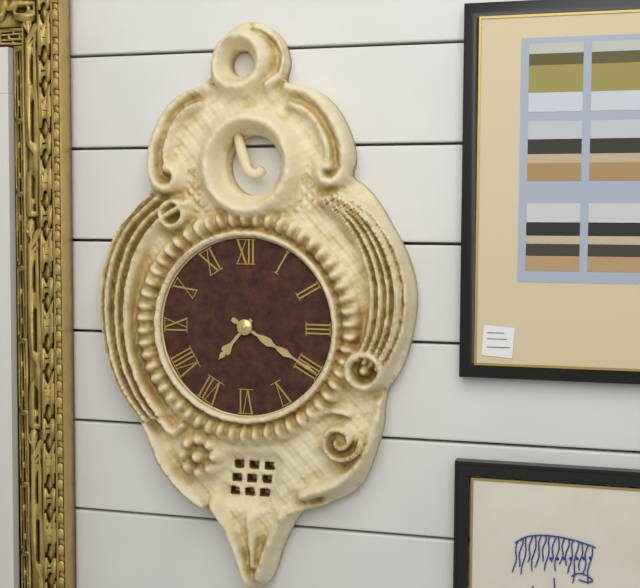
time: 7:20
